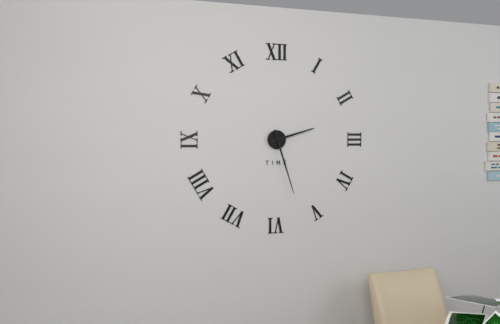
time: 2:27
